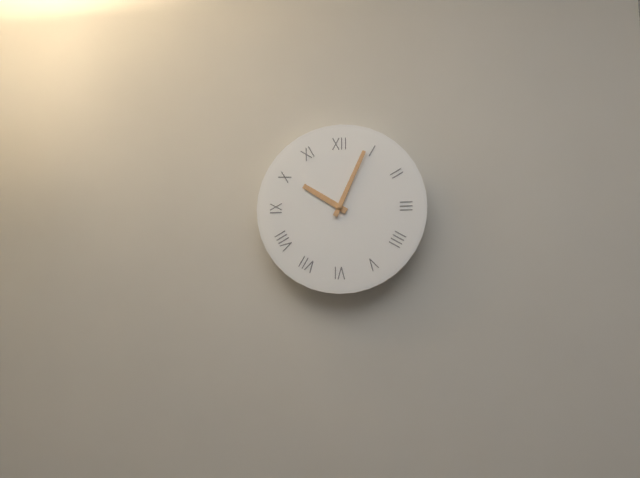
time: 10:04
